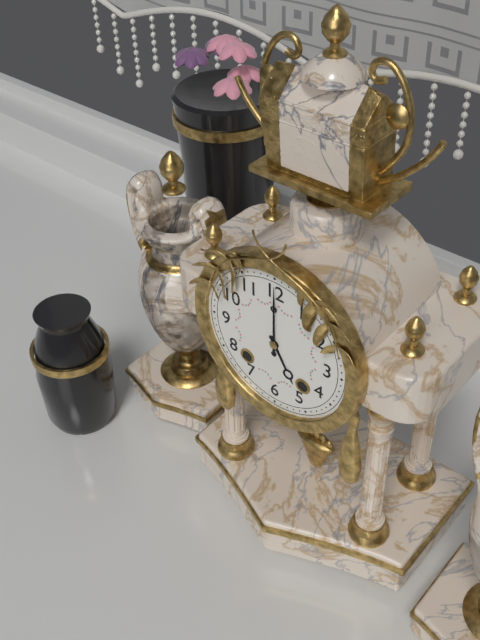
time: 5:00
